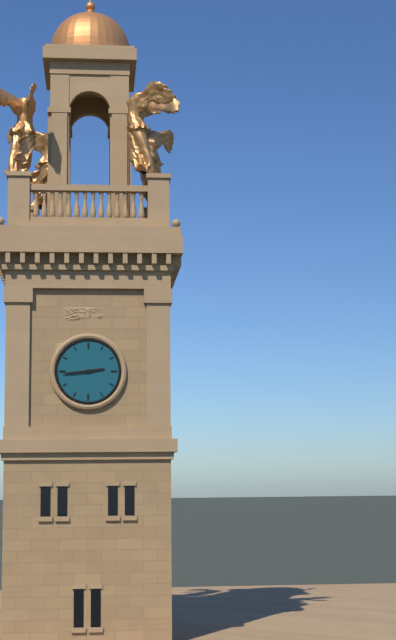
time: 2:44
